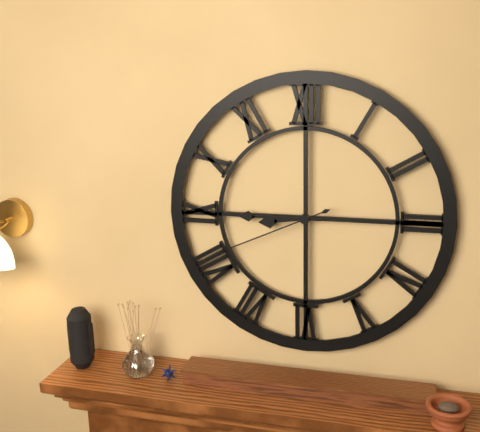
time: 8:45:41
